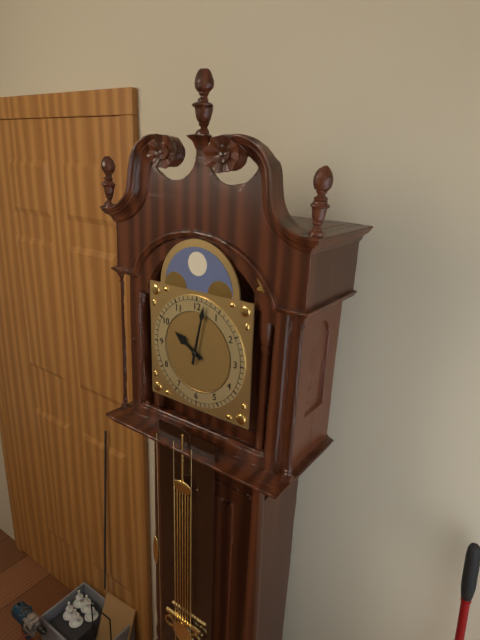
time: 10:02
